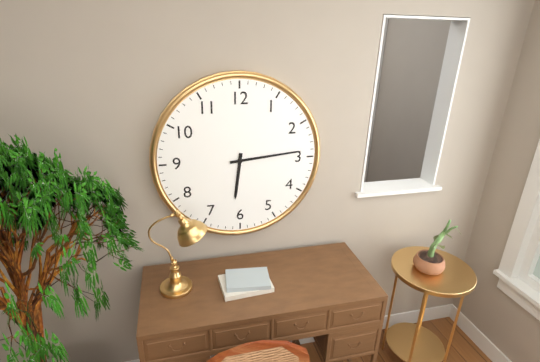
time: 6:14
